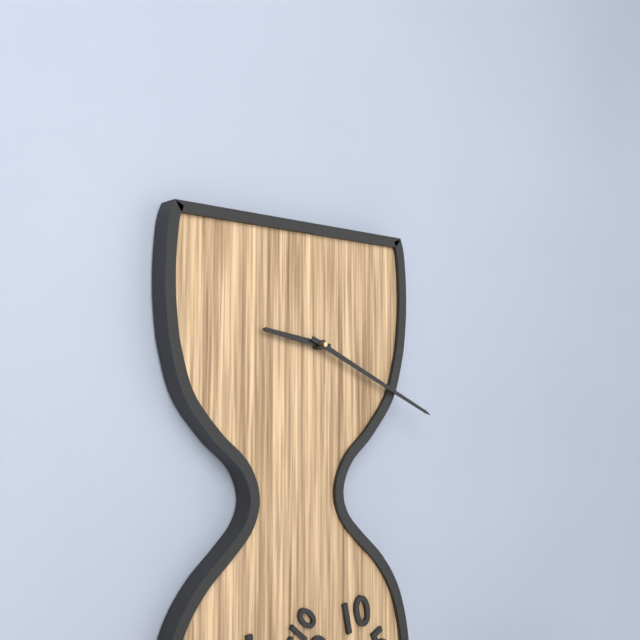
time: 9:19
